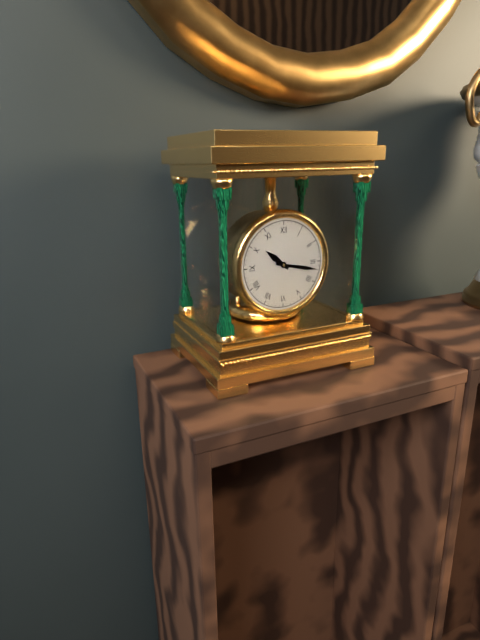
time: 10:17
